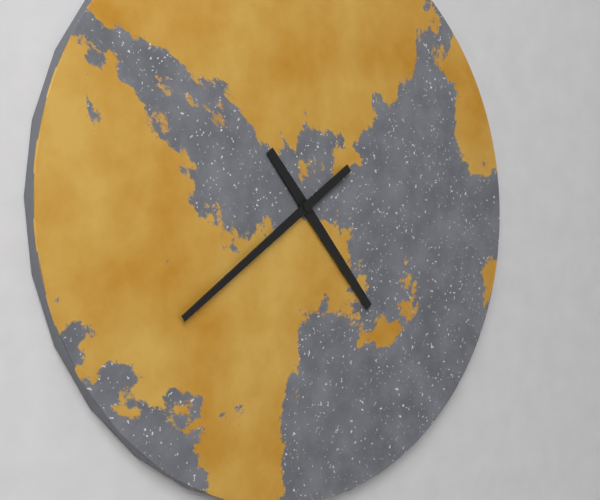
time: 4:39
